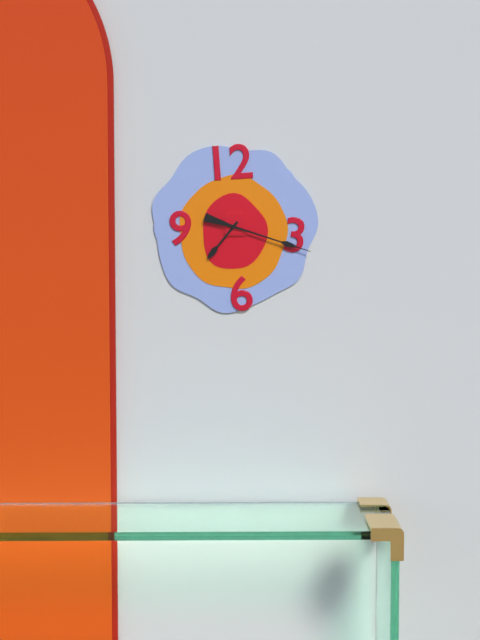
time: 7:18
